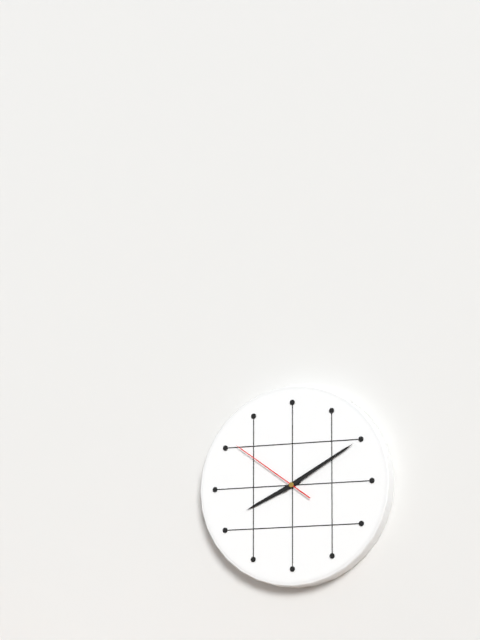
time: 8:10:51
